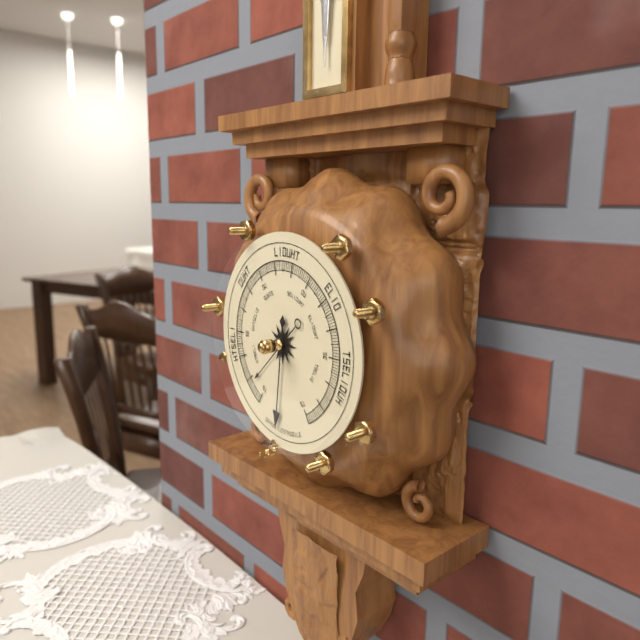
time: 7:31
